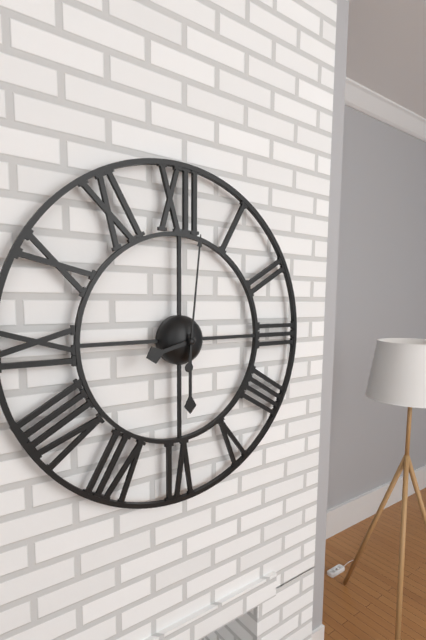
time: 8:30:01
